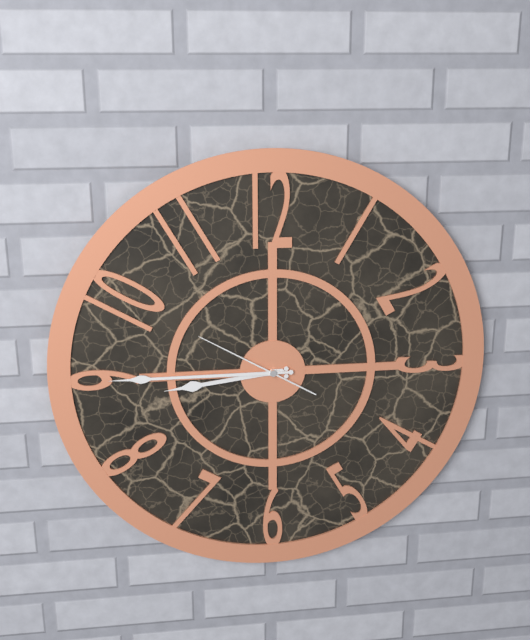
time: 8:45:50
